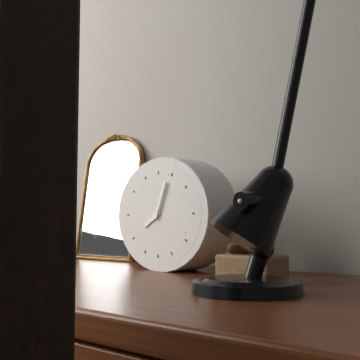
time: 8:04
